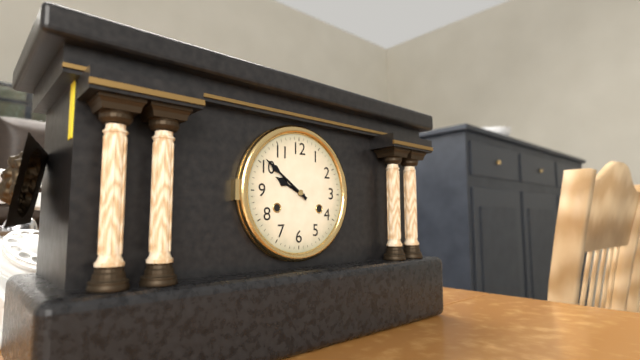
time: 9:51
